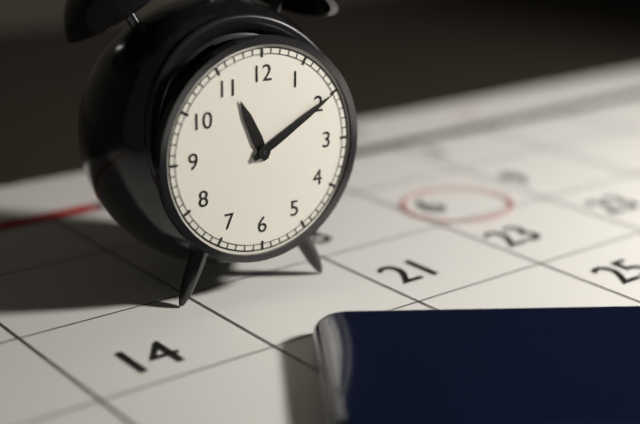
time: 11:10
